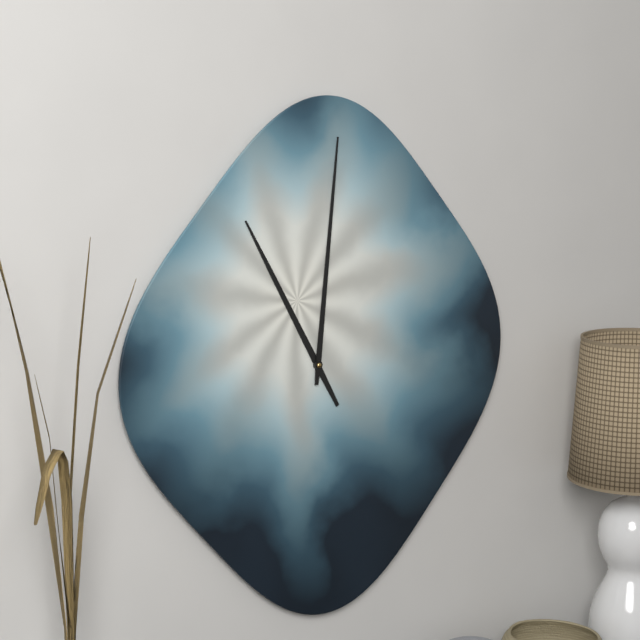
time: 11:01
